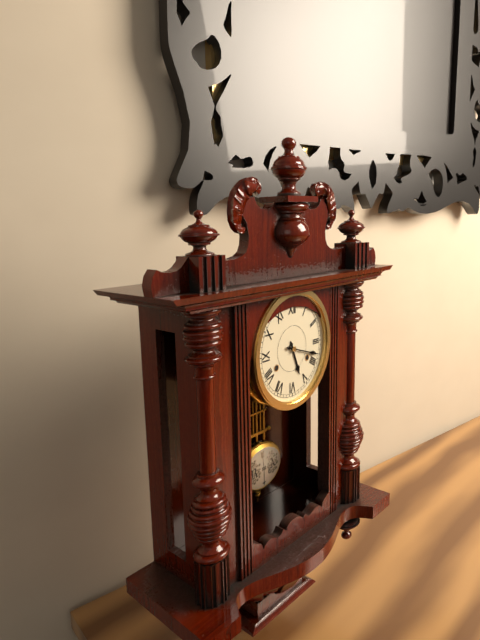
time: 5:18
